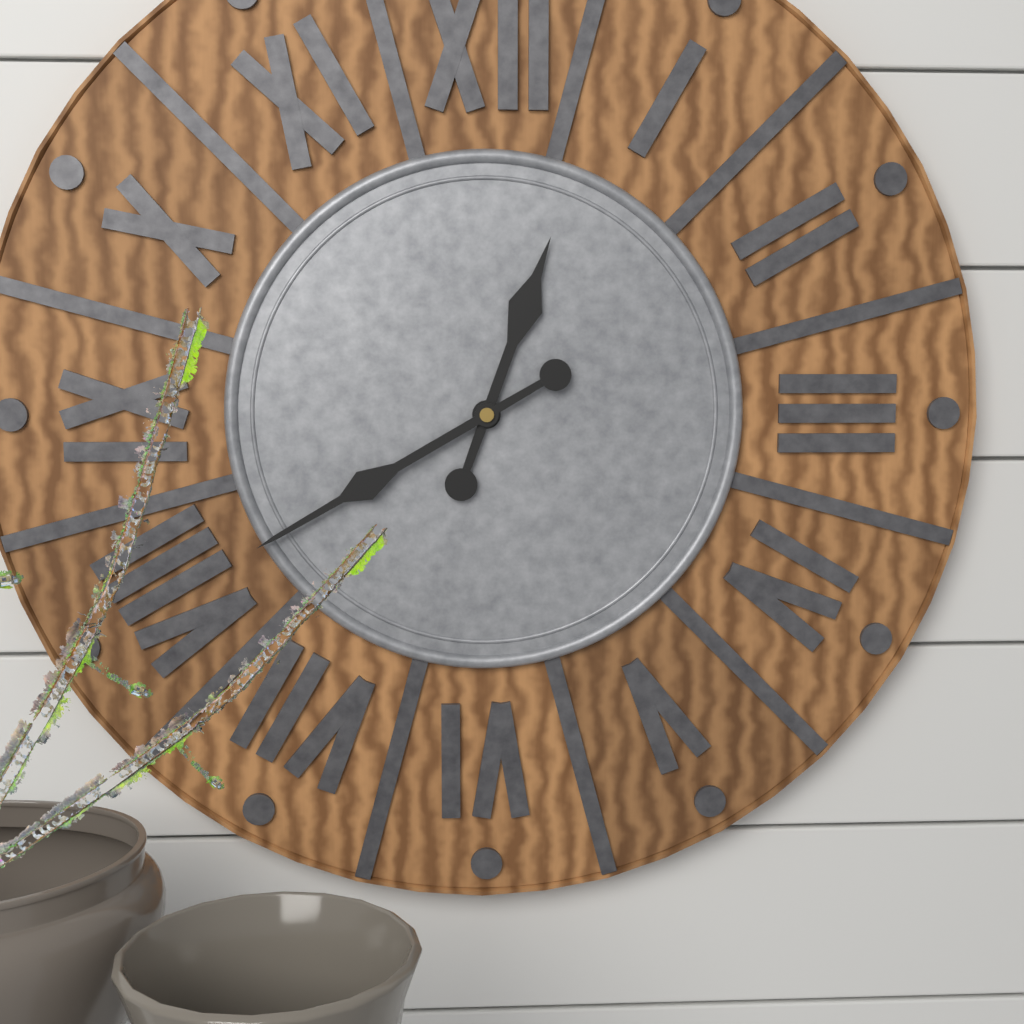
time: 12:40
